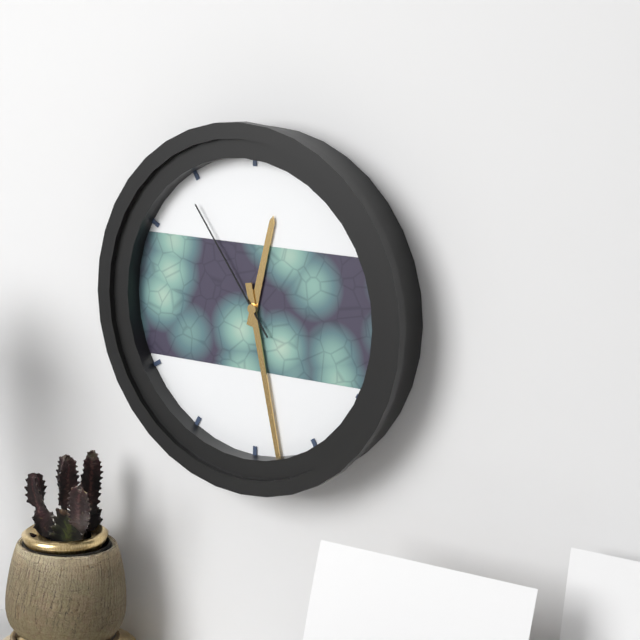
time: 12:28:54
